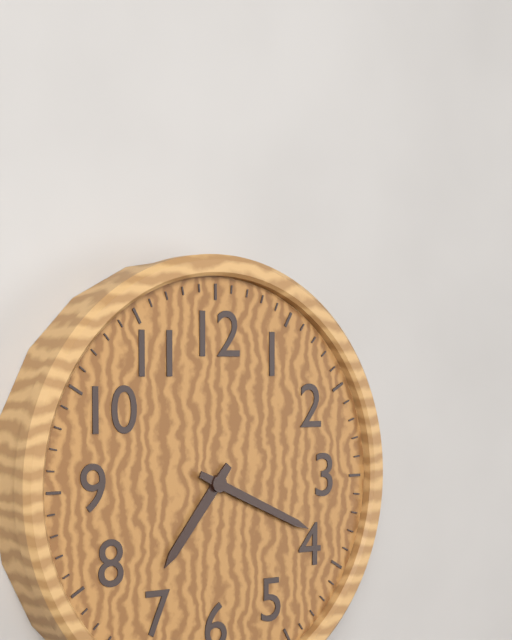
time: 7:19
